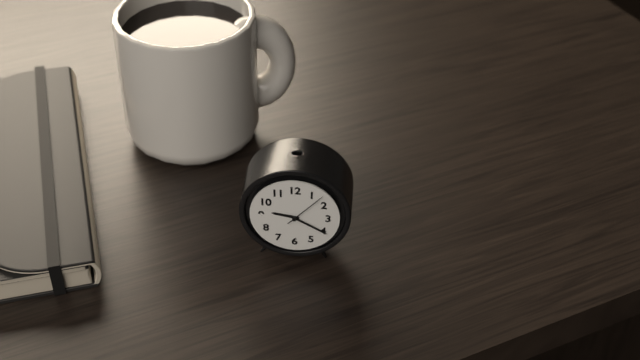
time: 9:20
